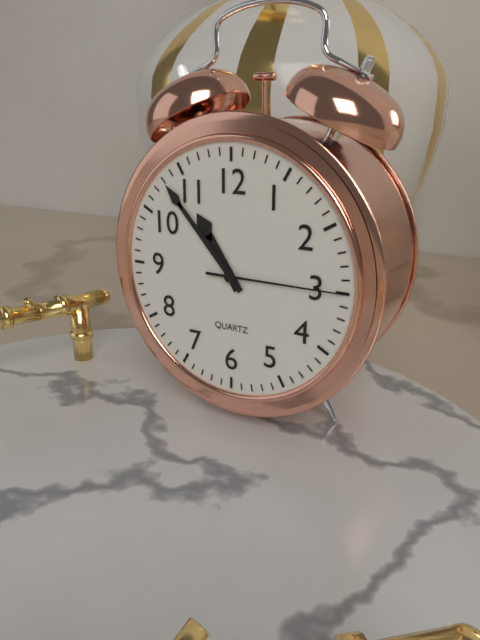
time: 10:53:15
